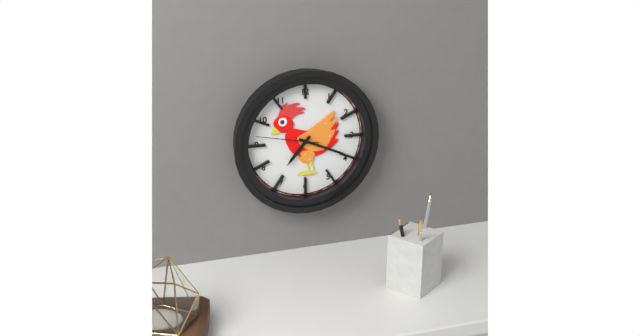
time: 7:19:47
